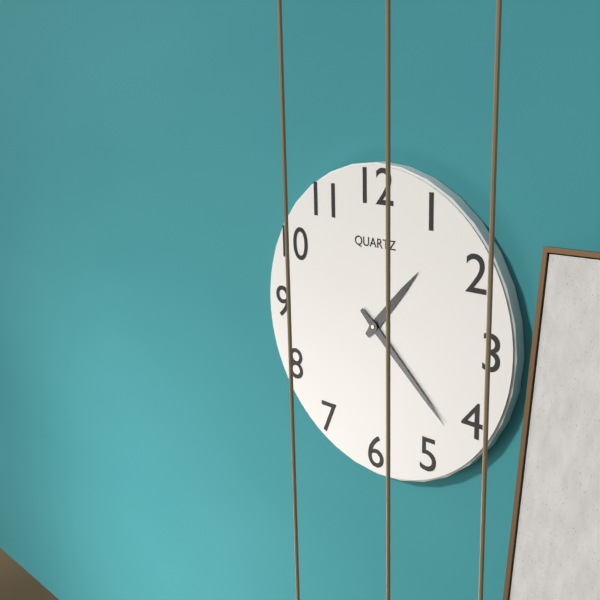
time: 1:22
